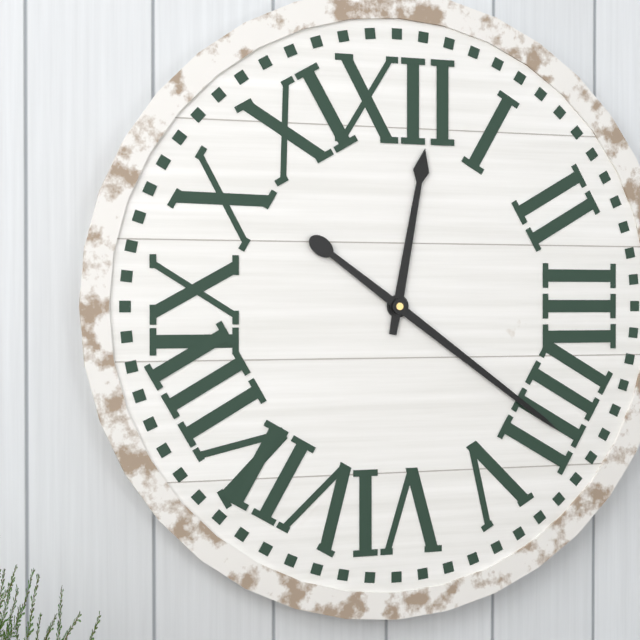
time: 12:21
